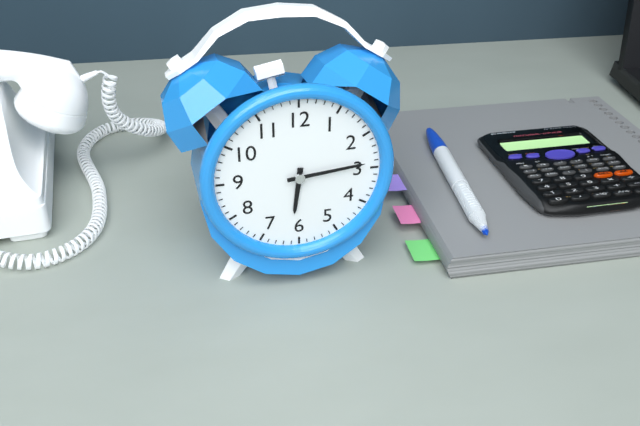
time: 6:14
